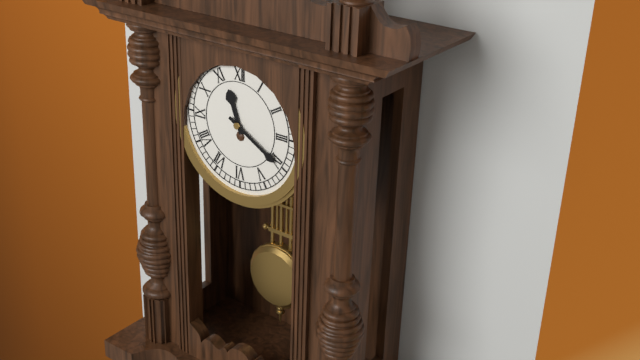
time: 11:20
